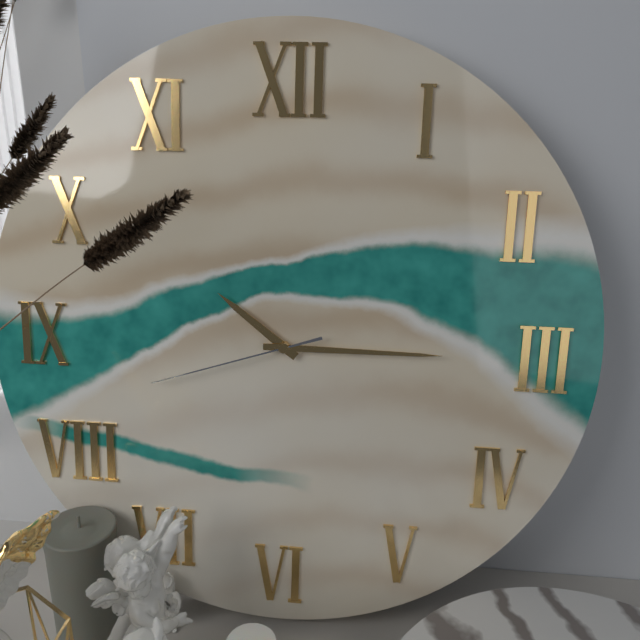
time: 10:15:42
